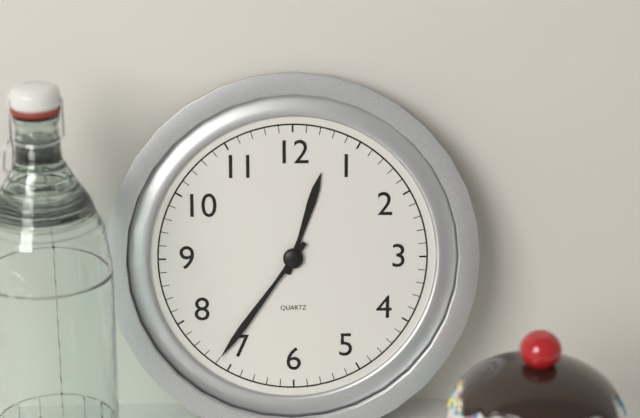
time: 12:36
